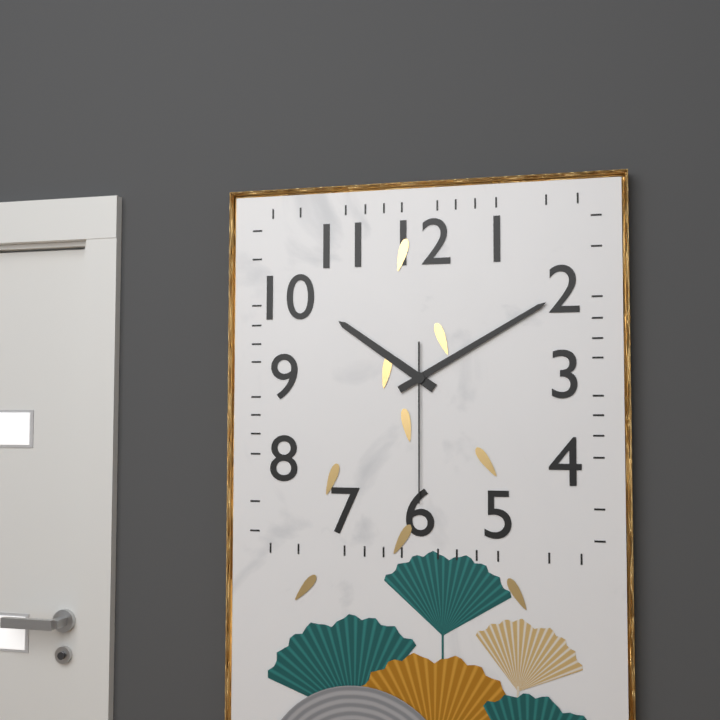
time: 10:10:30
